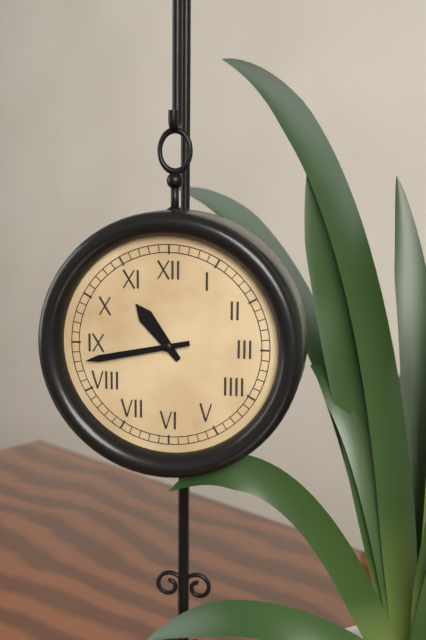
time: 10:43
